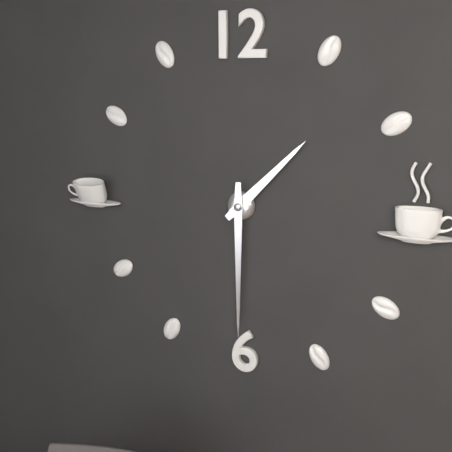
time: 1:30
